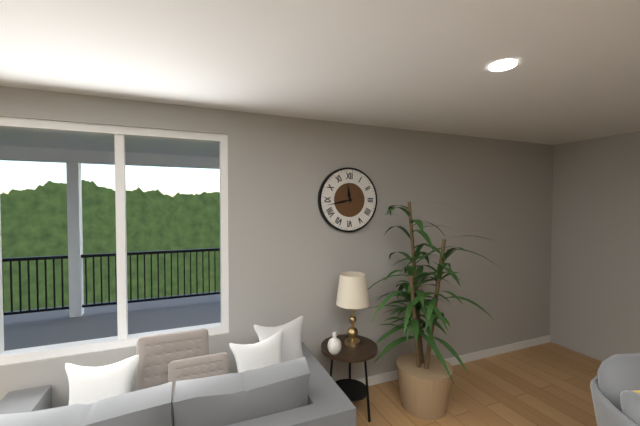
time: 11:43
